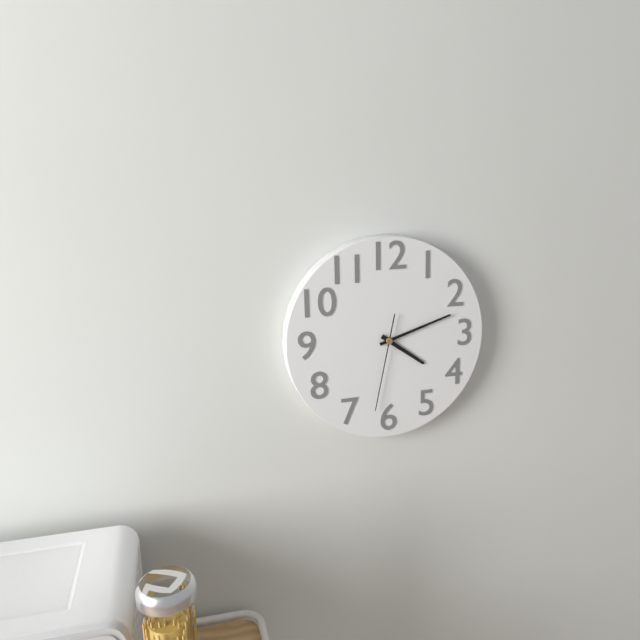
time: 4:12:32
